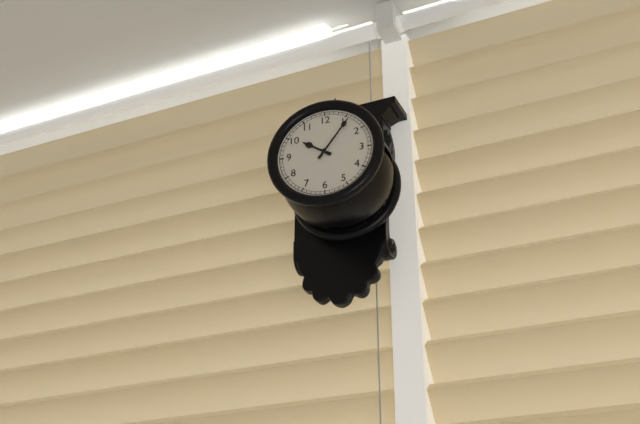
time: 10:06
